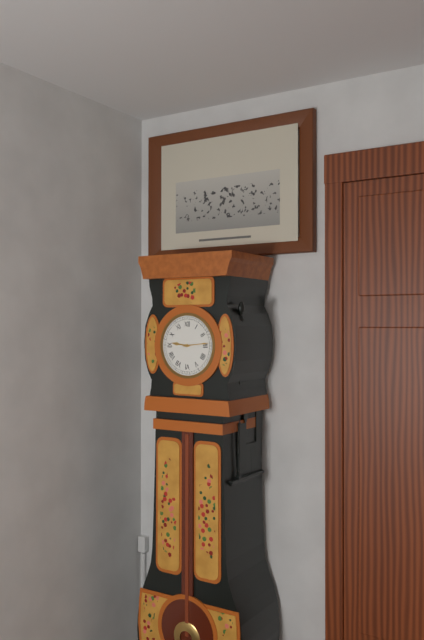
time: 9:14
